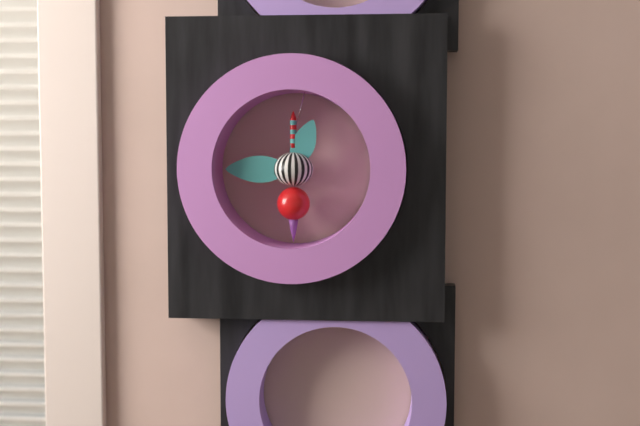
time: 12:45
